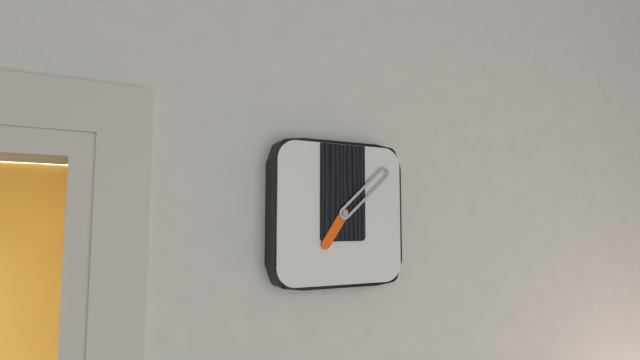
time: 7:08
